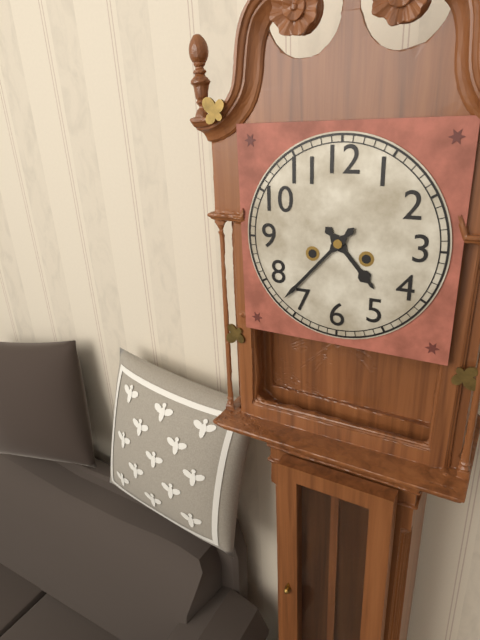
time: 4:37
